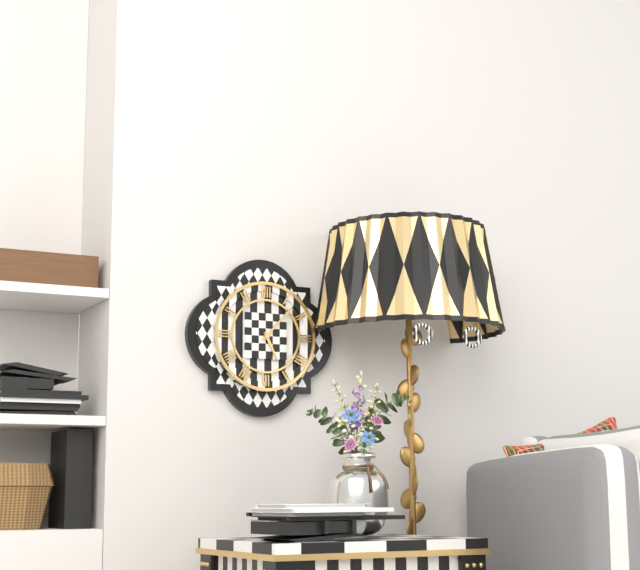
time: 5:07
